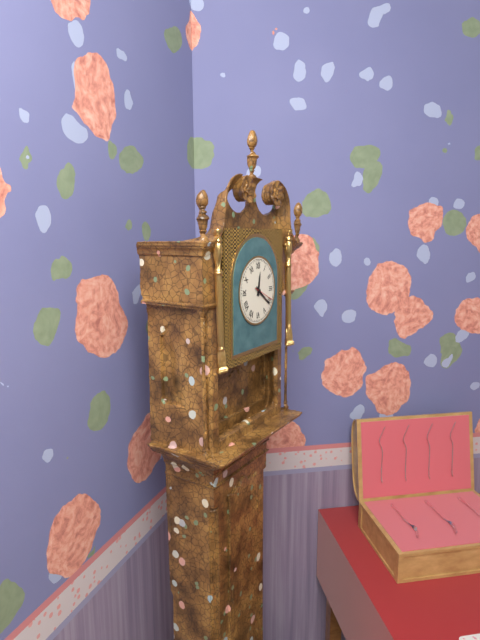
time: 12:21
